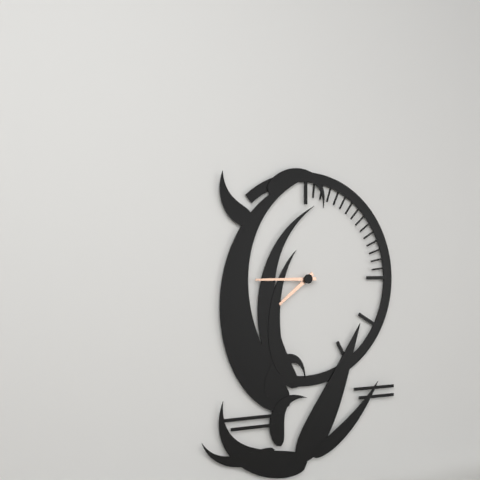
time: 7:45
